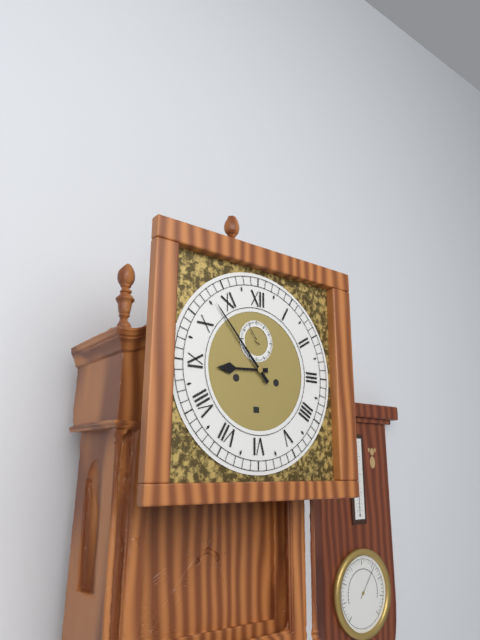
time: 8:53
